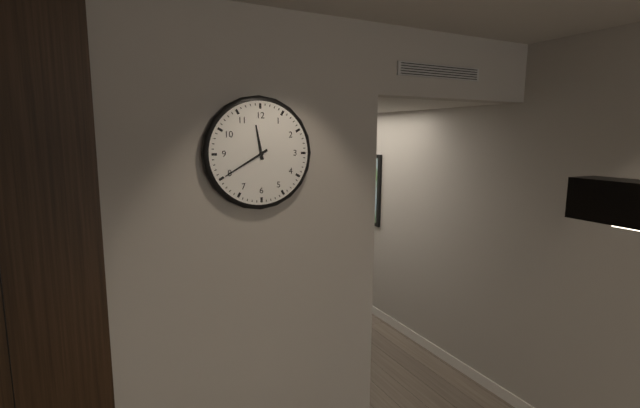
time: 11:40
